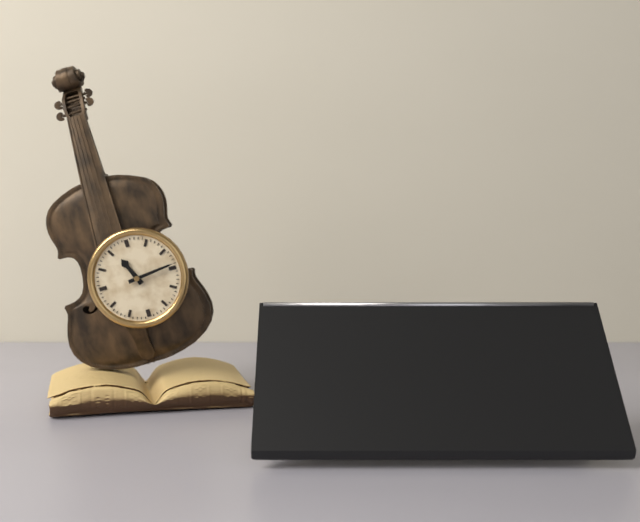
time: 11:14
